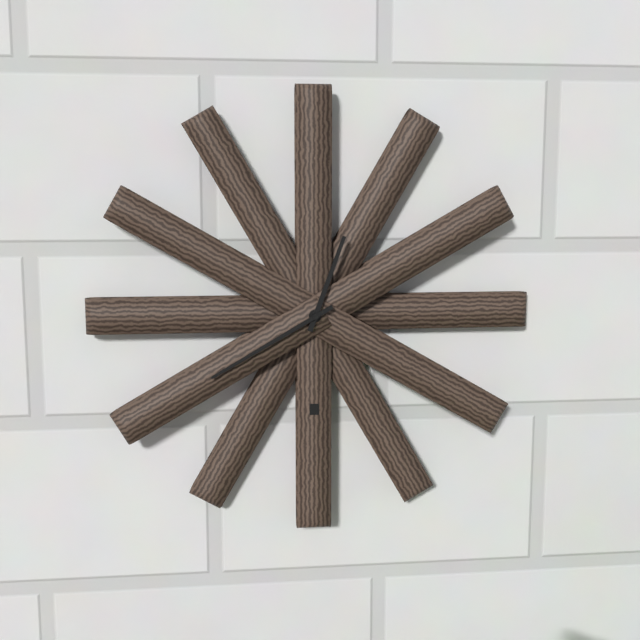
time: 12:40
